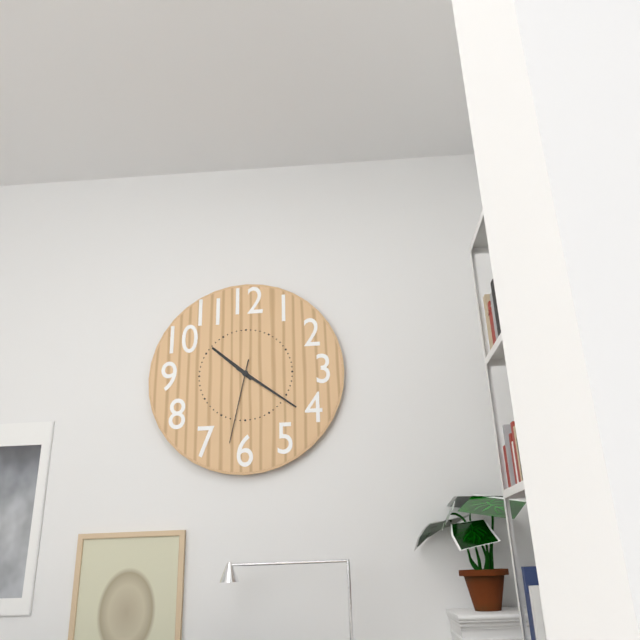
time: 10:21:32
